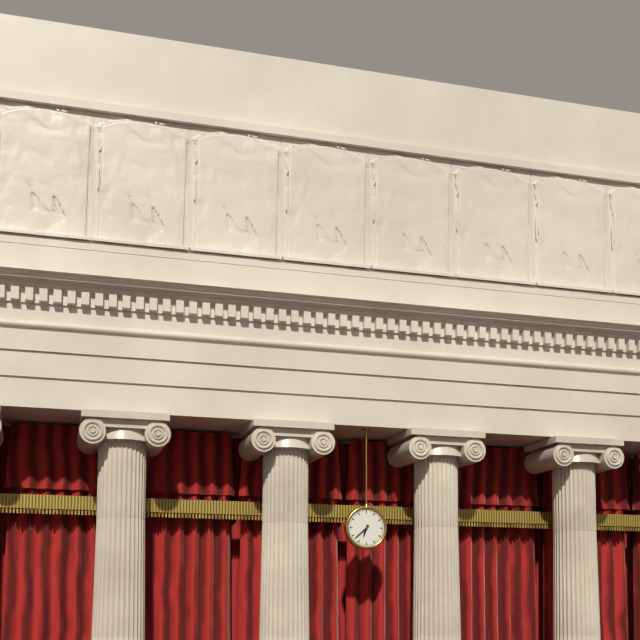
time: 6:38
